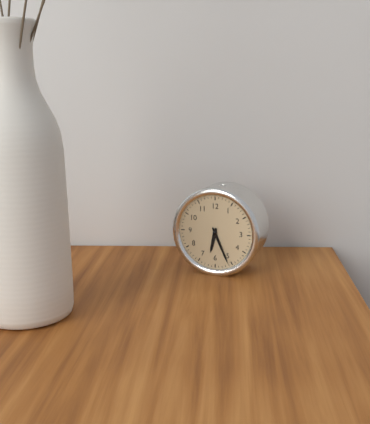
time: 6:26
